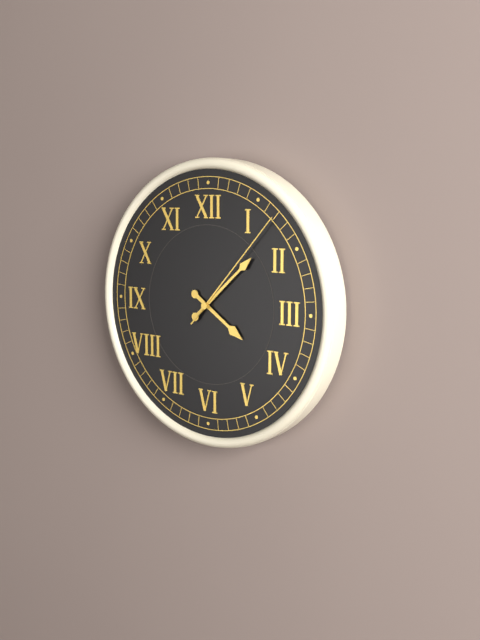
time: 4:08:07
